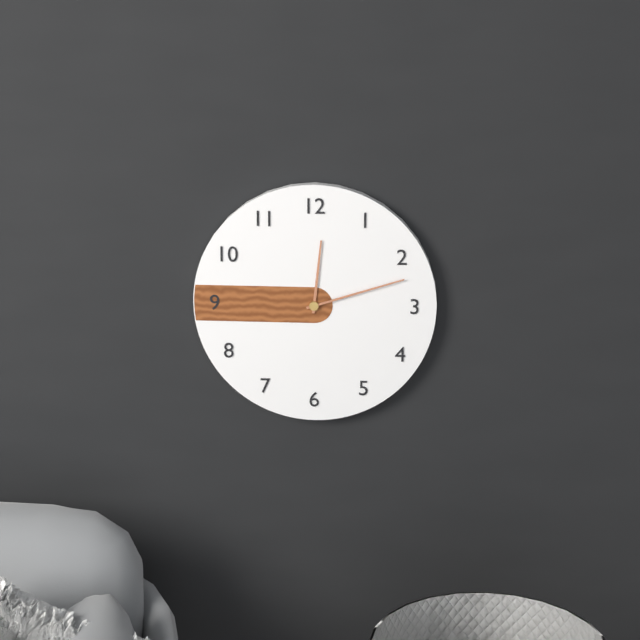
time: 12:12
